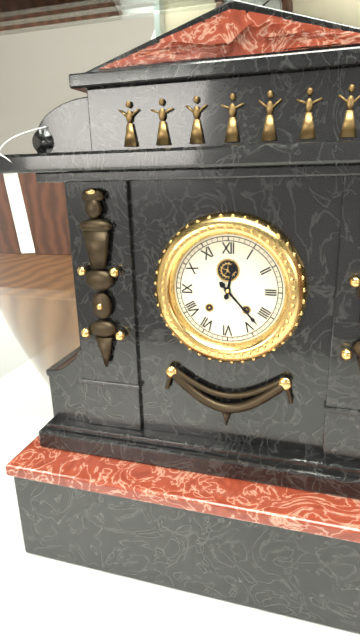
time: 12:23
